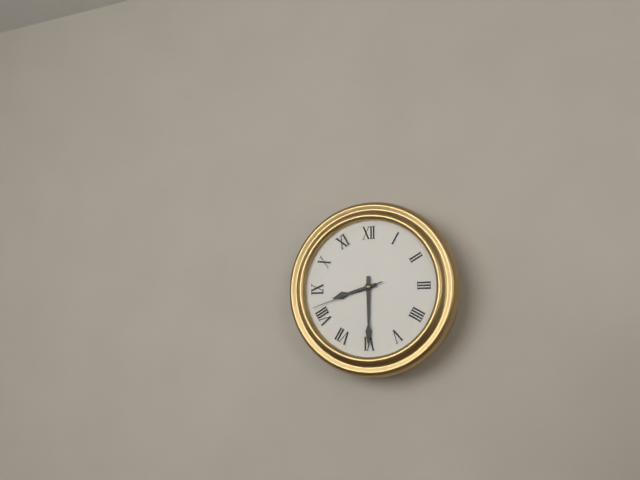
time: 8:30:42
